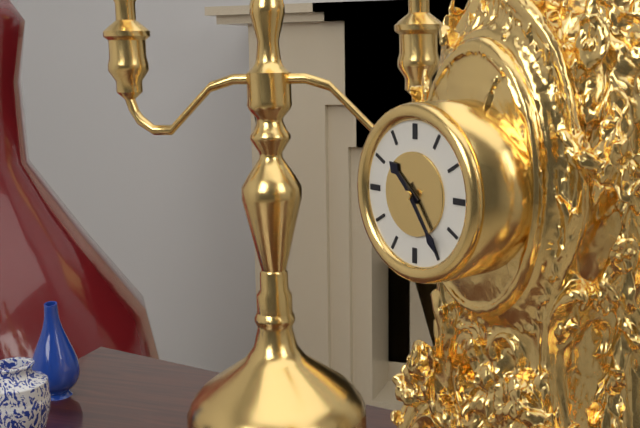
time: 10:24
